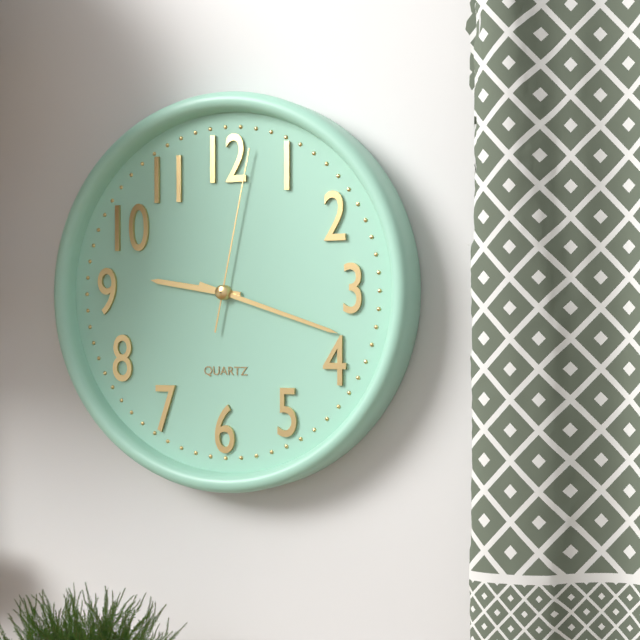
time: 9:18:02
